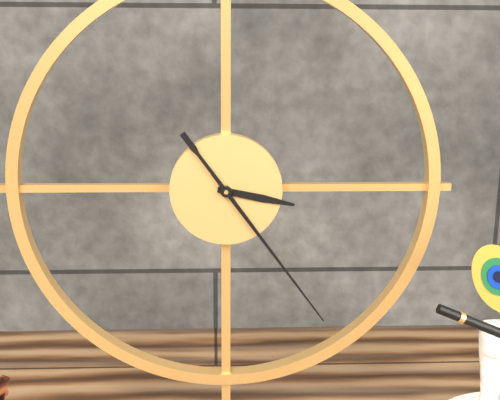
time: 3:24
